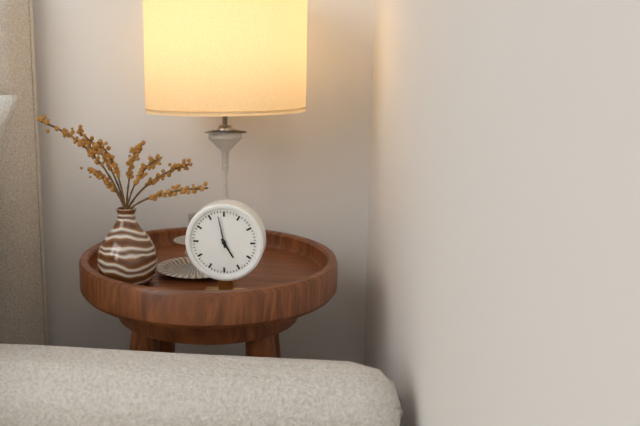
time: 4:58
